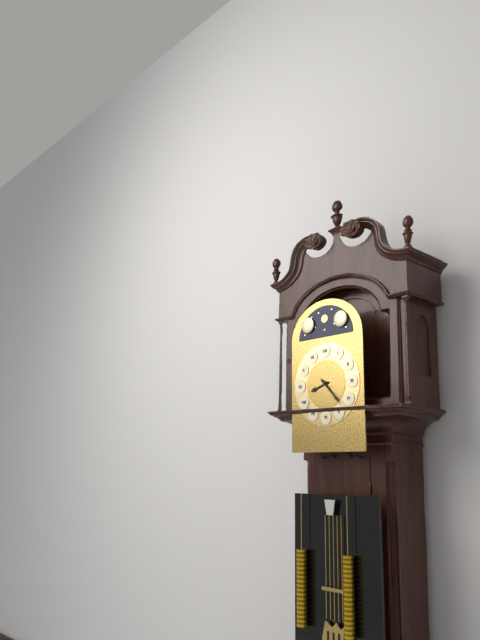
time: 8:23
